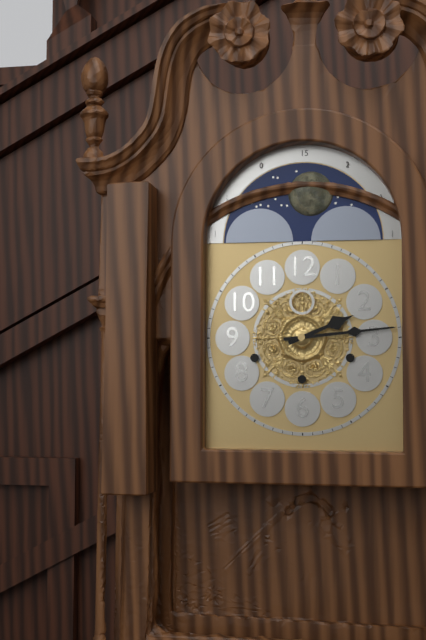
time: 2:14
